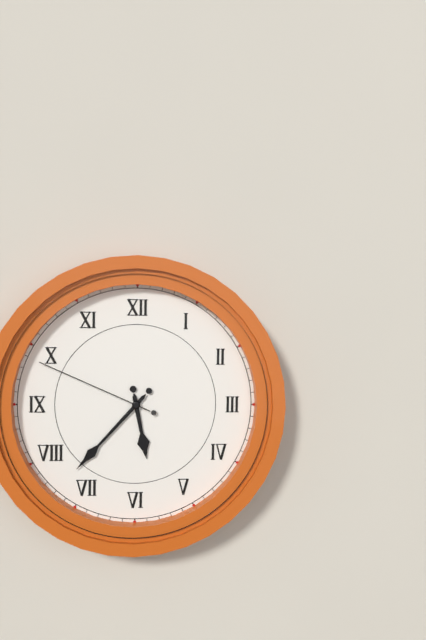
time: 5:37:49
